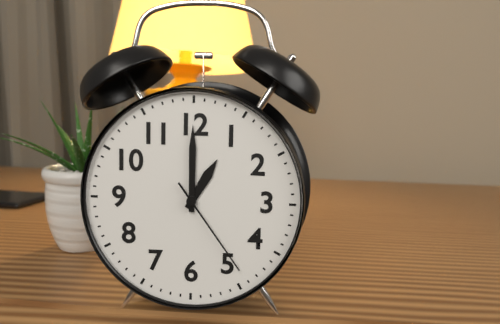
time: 1:00:24
